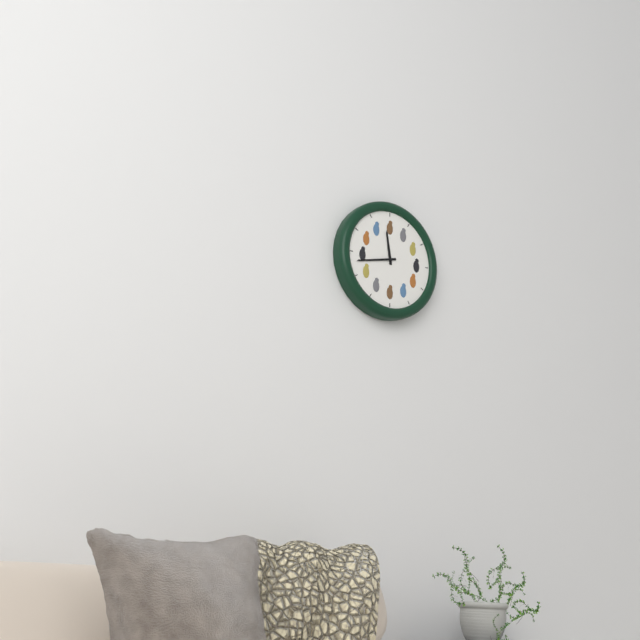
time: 11:43
